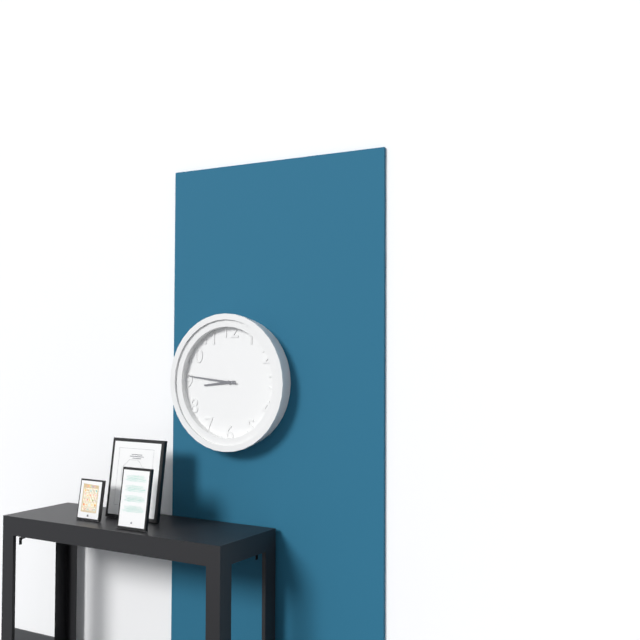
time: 8:46
